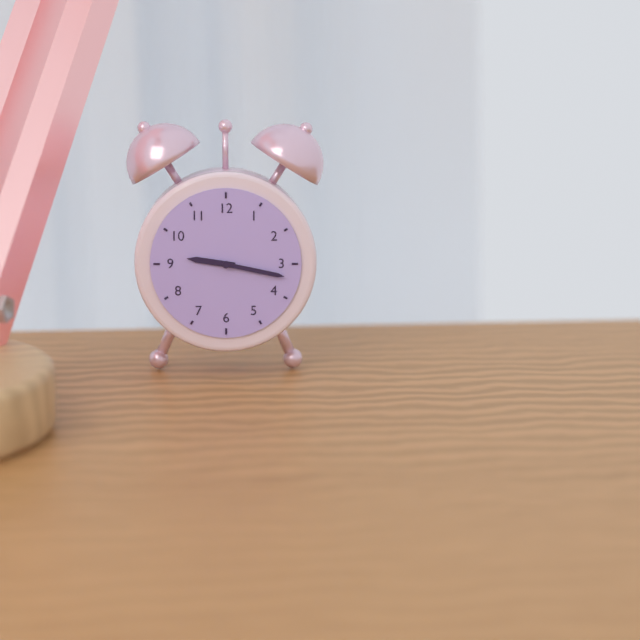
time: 9:17
